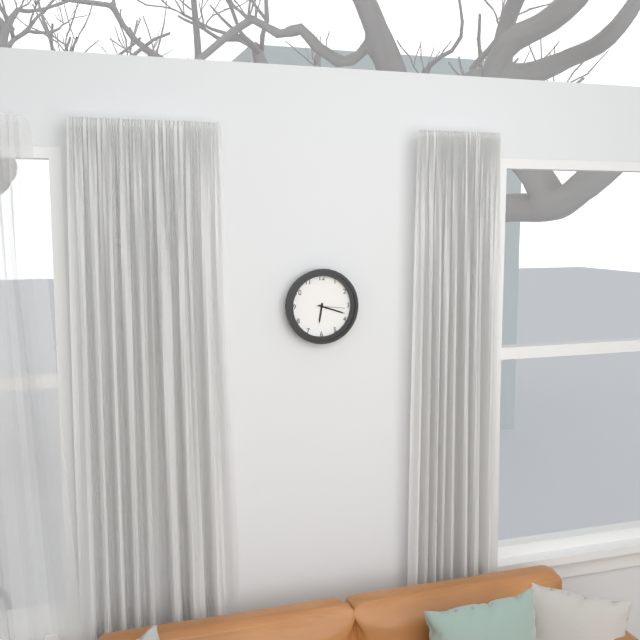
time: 6:18
